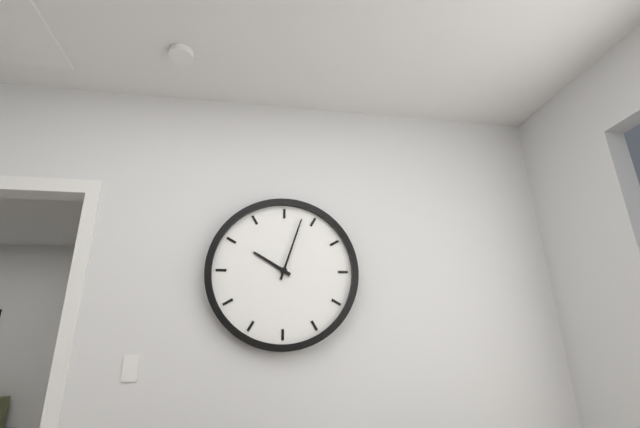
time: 10:03
